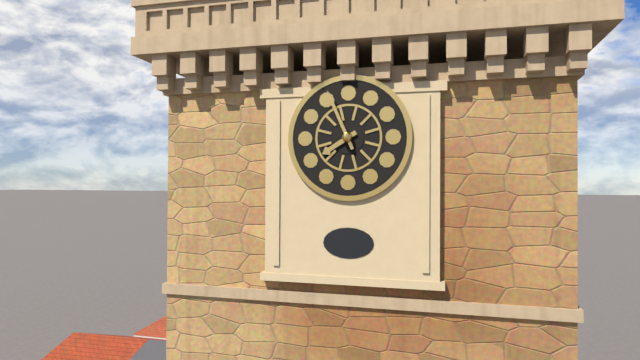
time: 7:56
